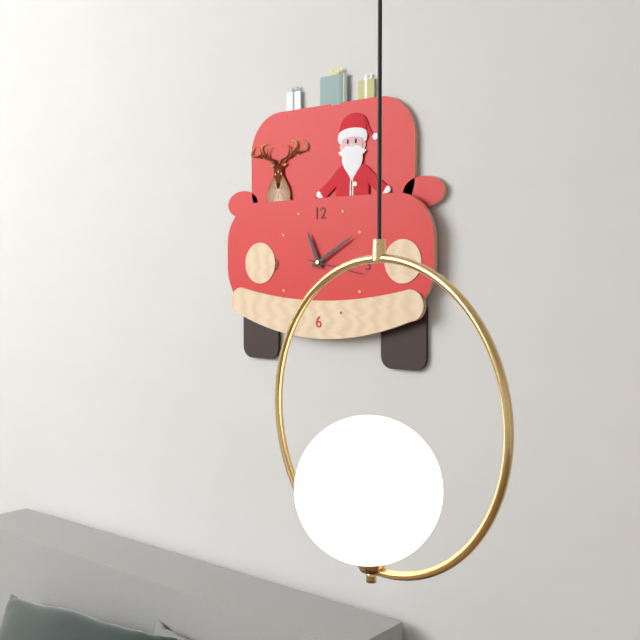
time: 11:10:17
